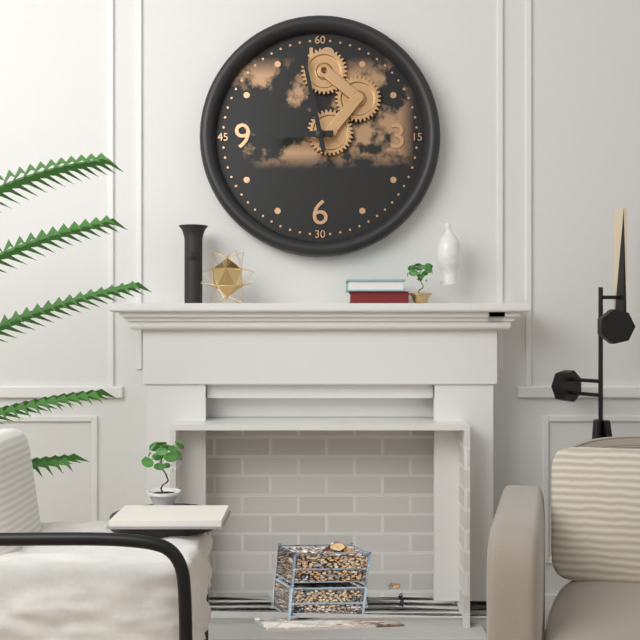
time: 8:58
